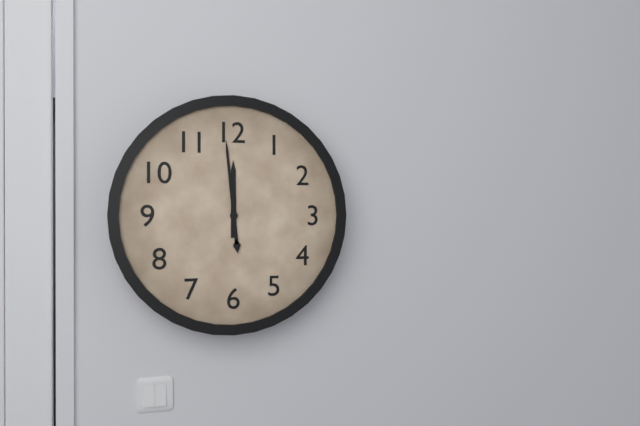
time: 11:59
